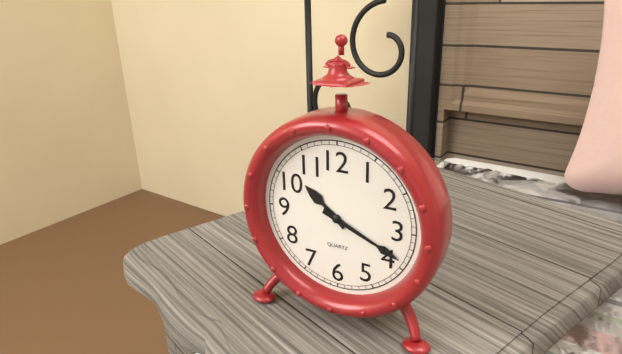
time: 10:19
